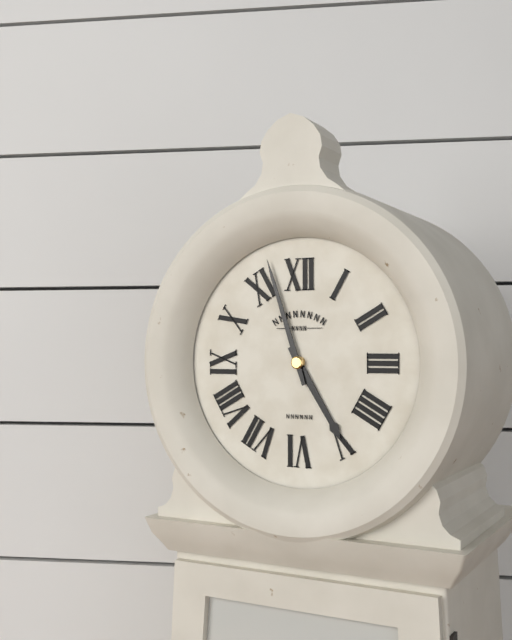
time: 4:57
